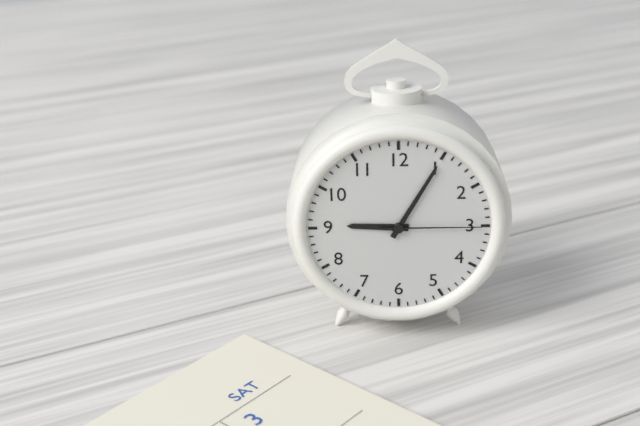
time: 9:05:15
